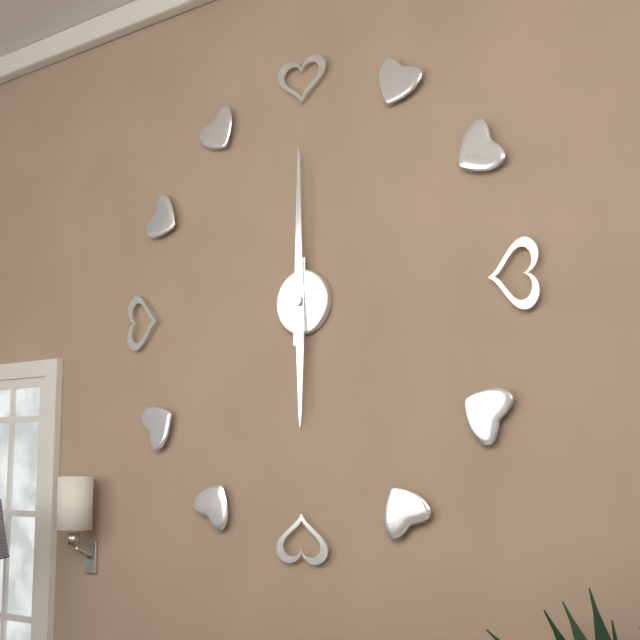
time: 6:00
